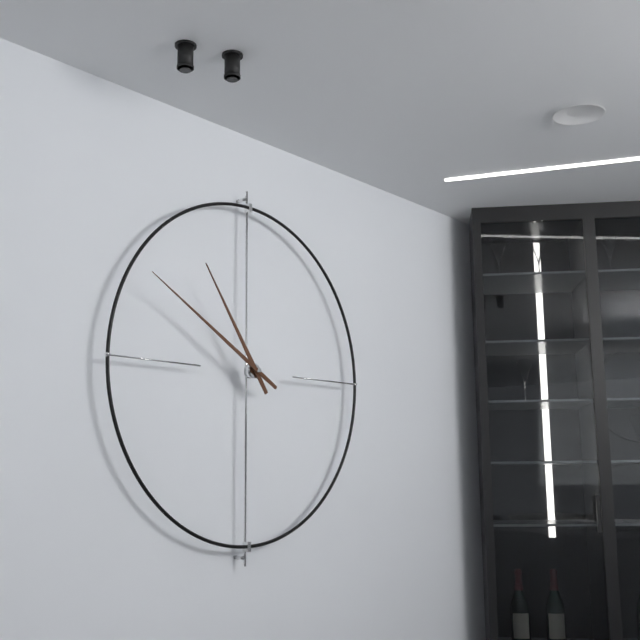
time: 10:50
